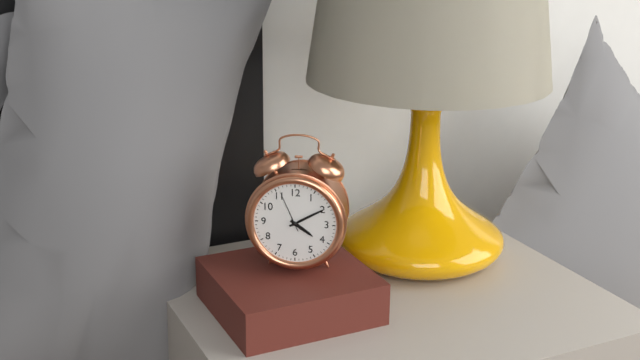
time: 4:10
